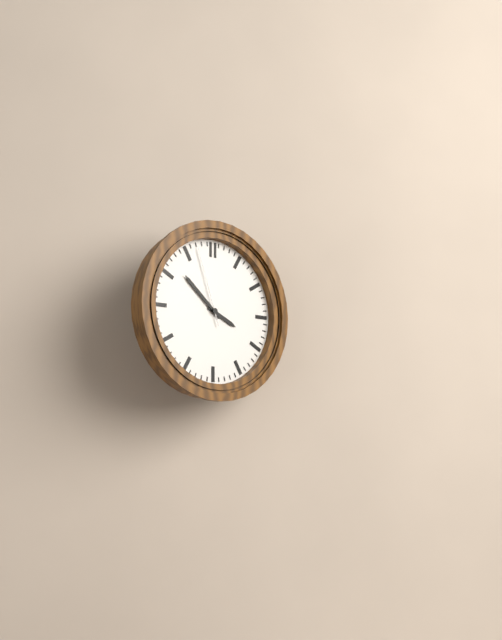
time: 3:52:57
